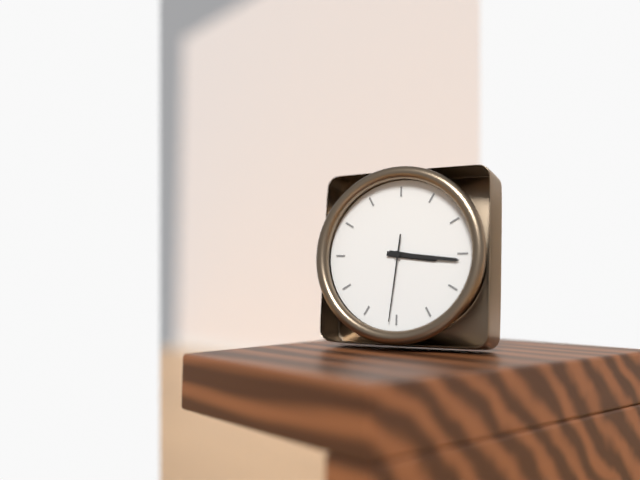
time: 3:16:31
